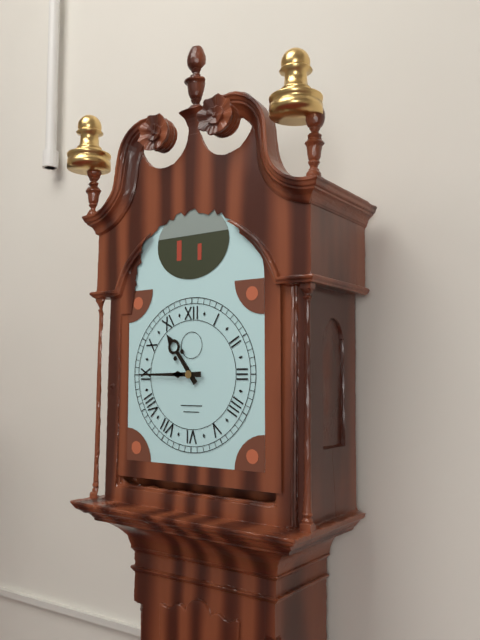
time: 10:45
